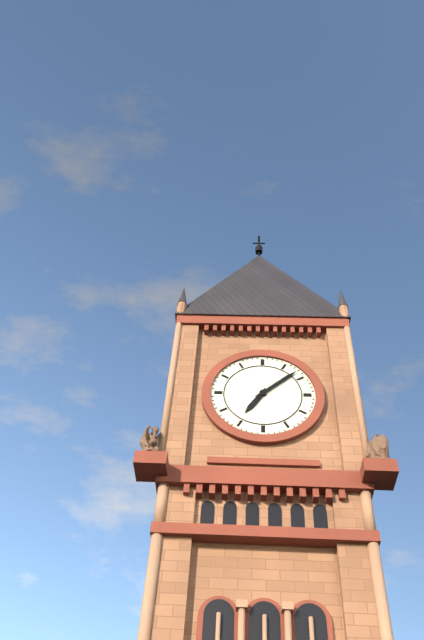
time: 7:08
